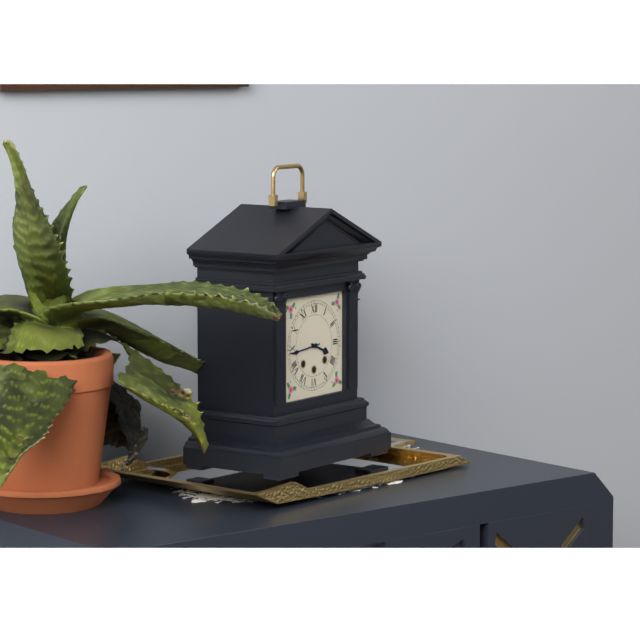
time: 3:44
